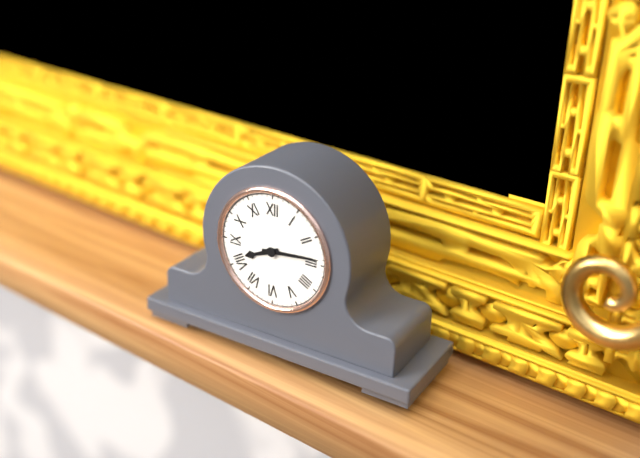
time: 8:14
